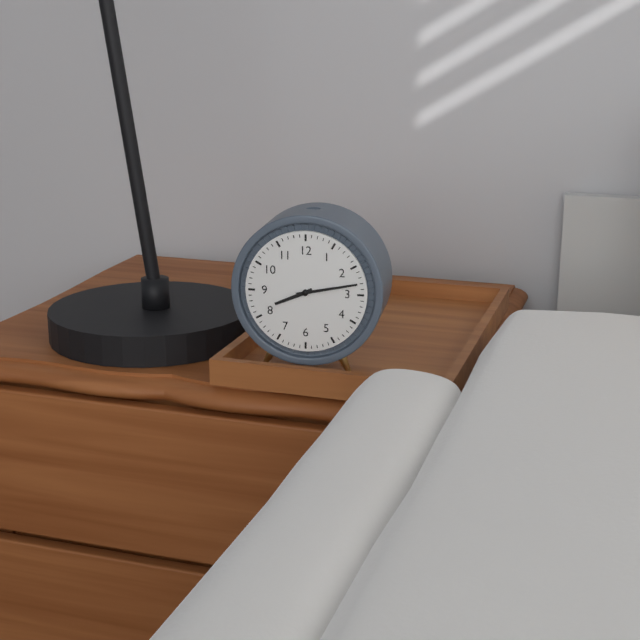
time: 8:13
